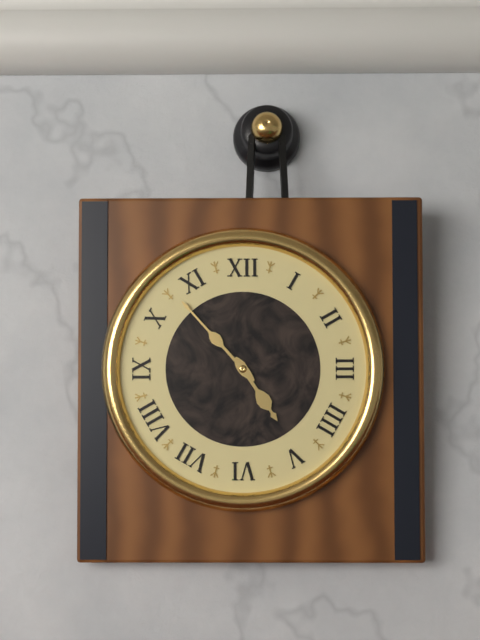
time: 4:53
